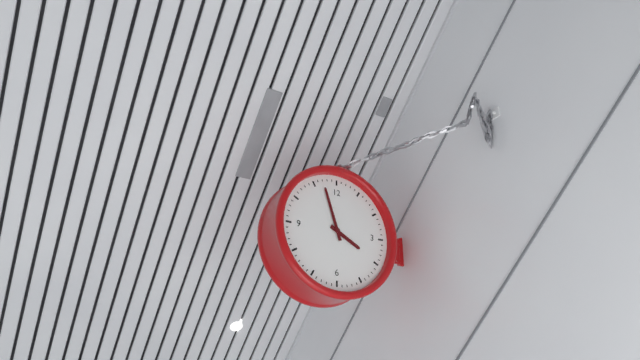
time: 3:57
